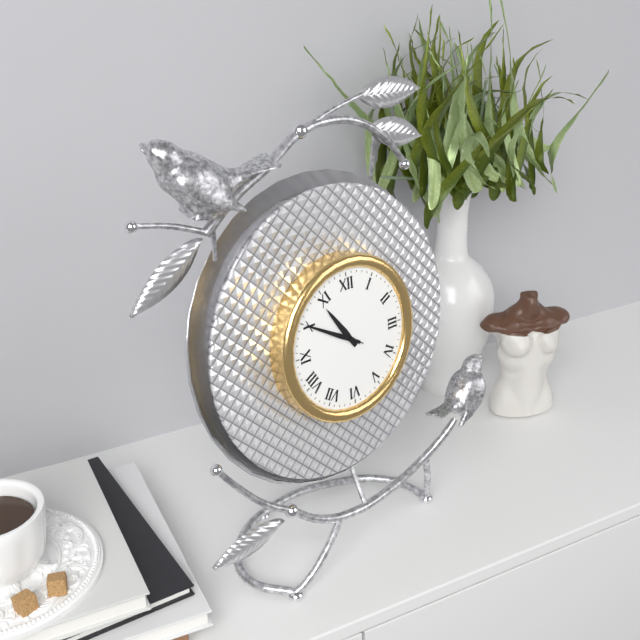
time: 10:50:50
